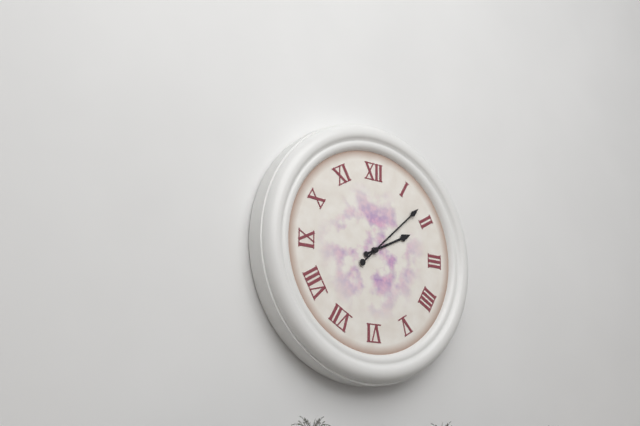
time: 2:08
